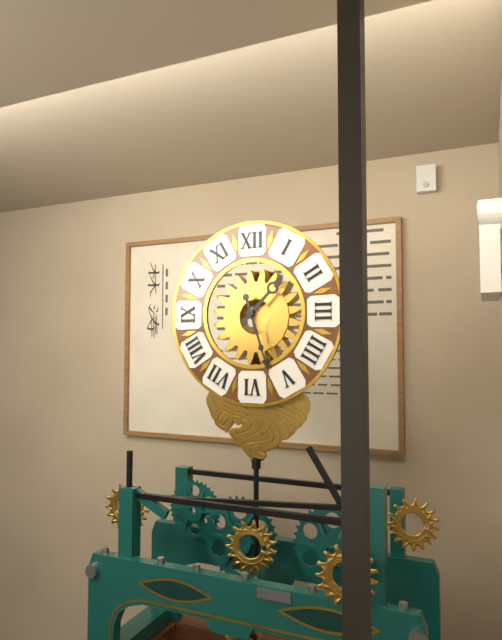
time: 1:27
